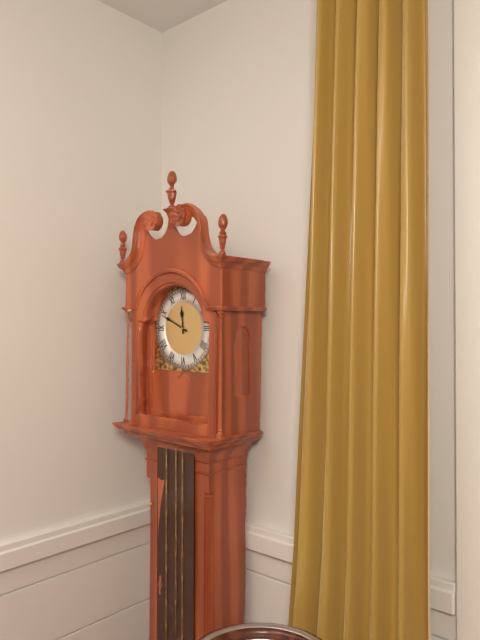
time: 11:49
